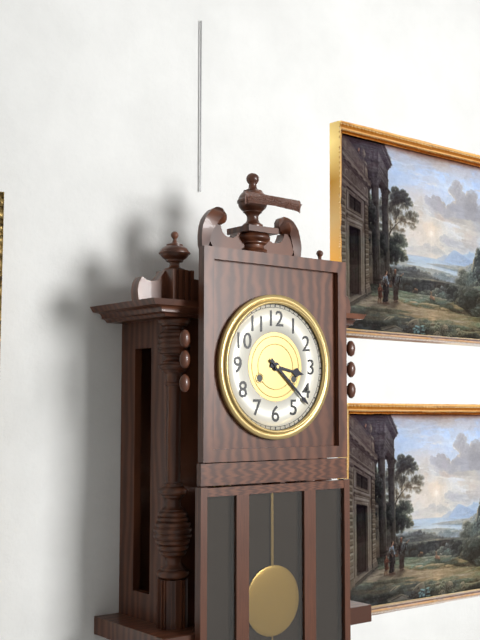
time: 3:22
